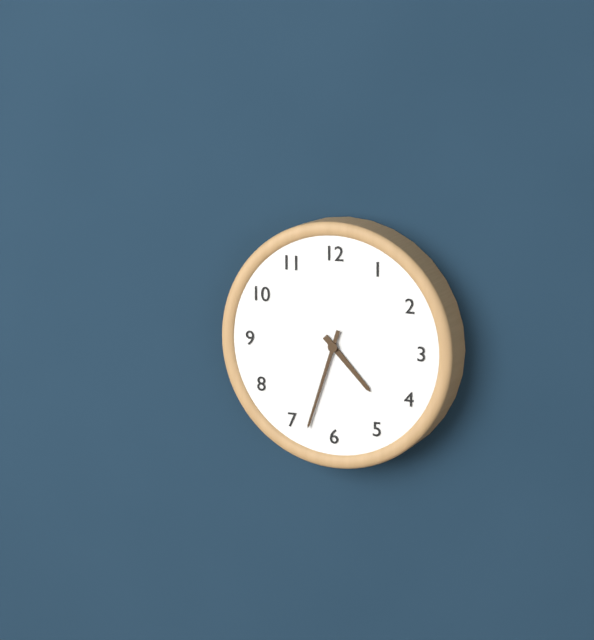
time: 4:33
